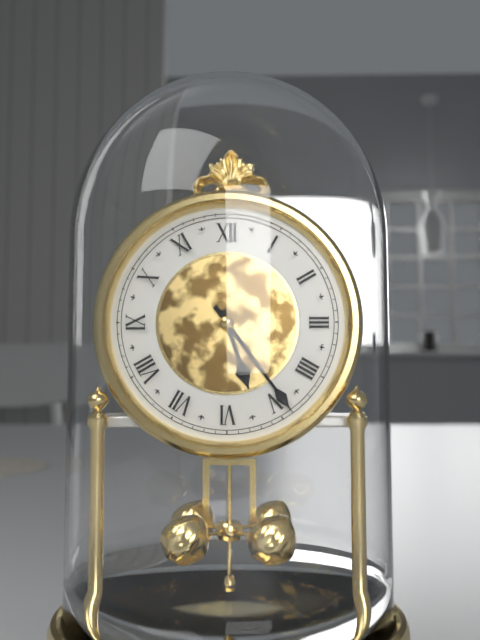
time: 5:24
